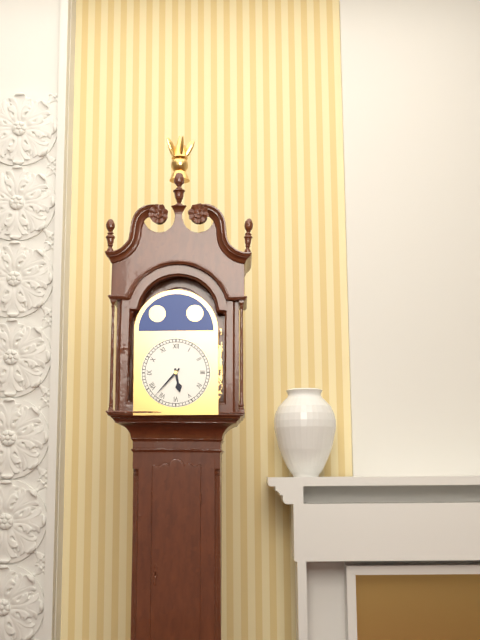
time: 5:37
